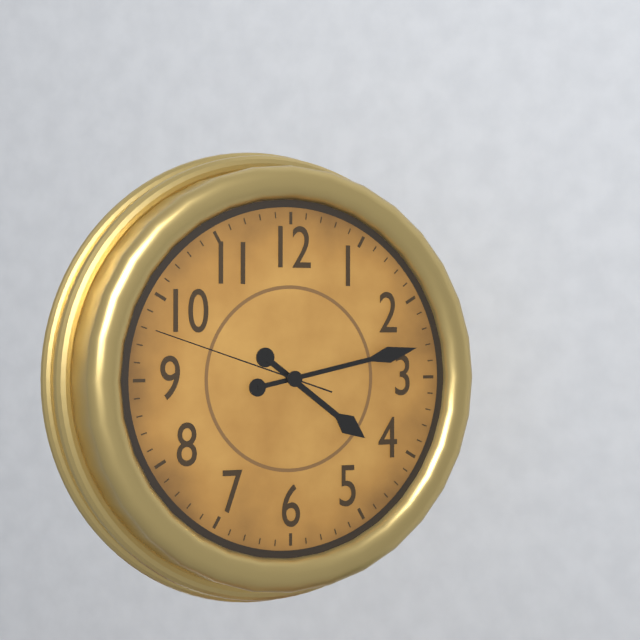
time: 4:13:48
